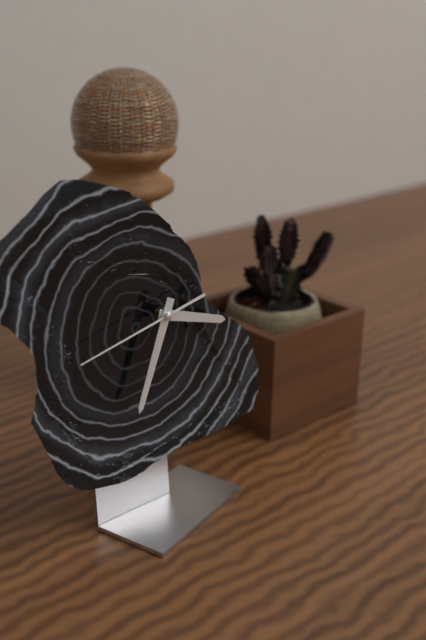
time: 3:34:43
